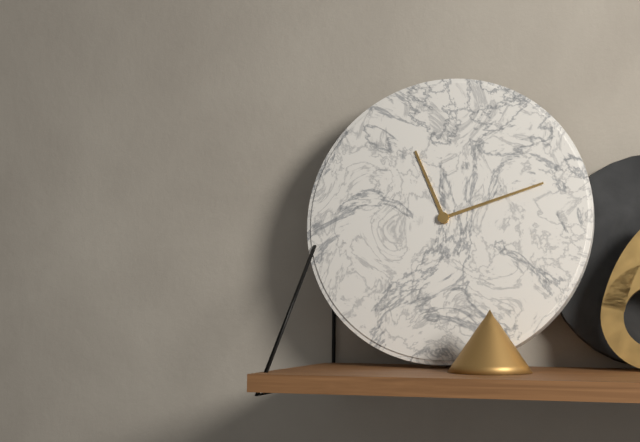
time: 11:12
